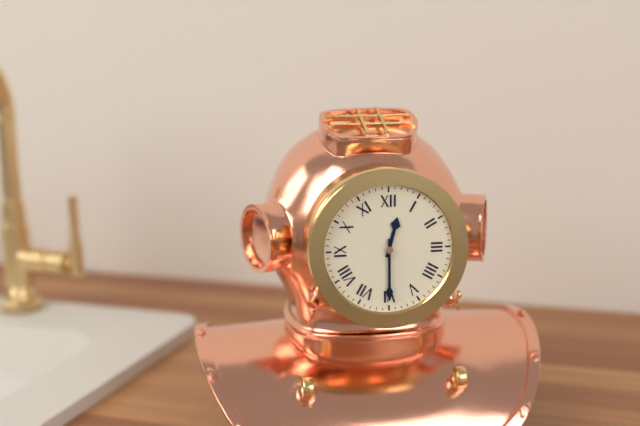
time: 12:30
